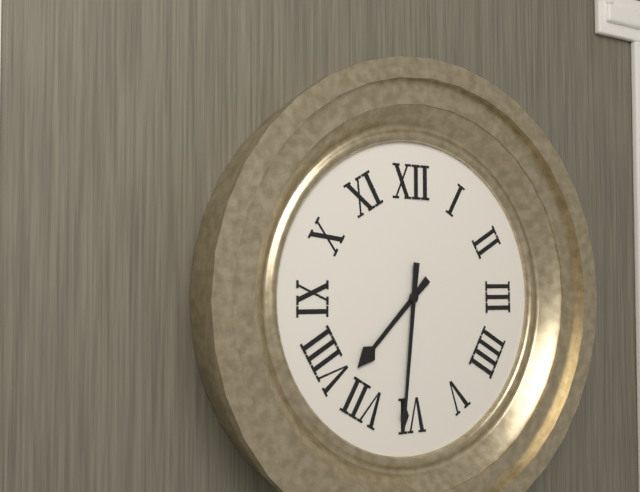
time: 7:31
